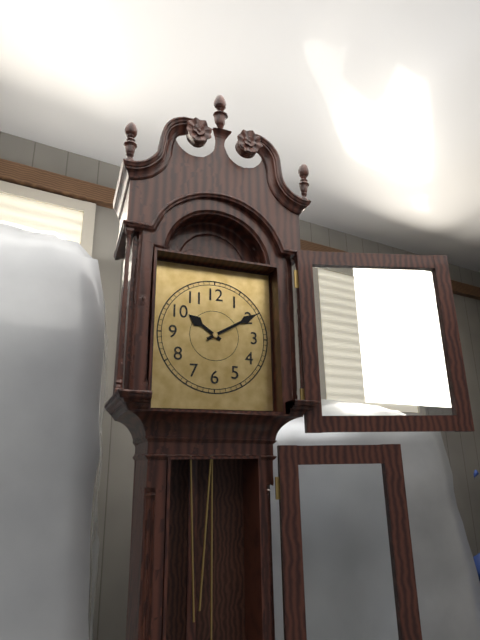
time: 10:10
